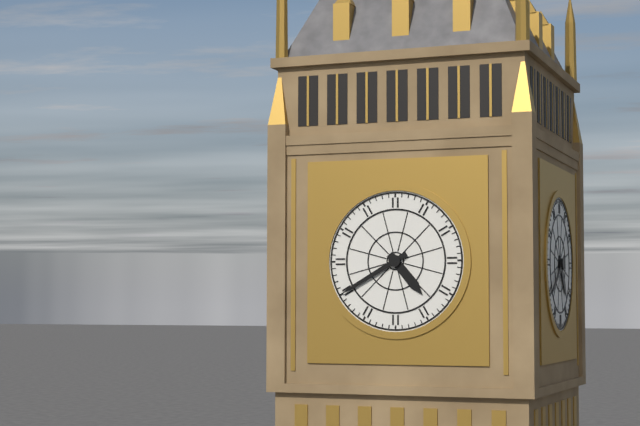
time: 4:40
